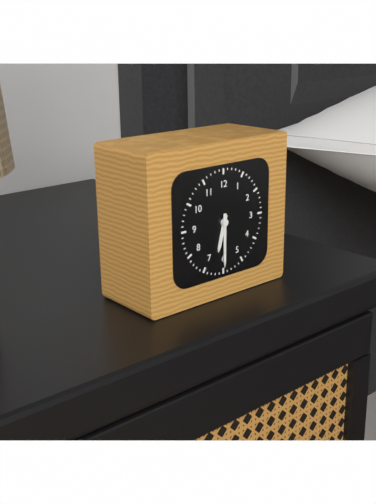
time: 6:30
